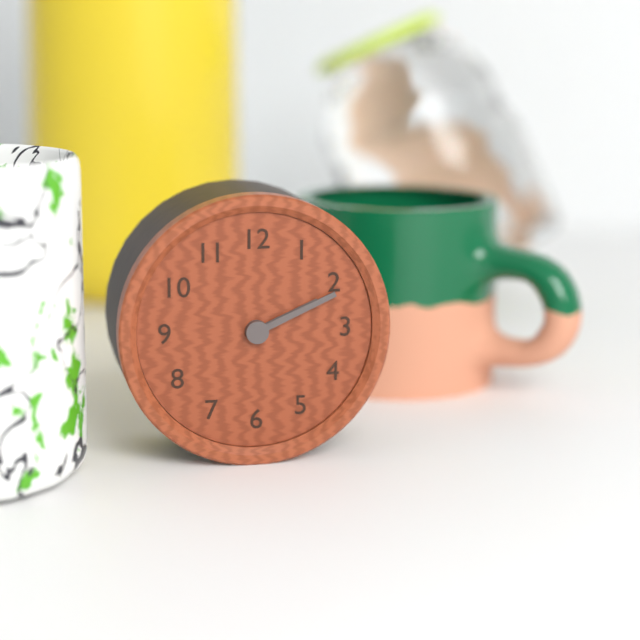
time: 2:11
